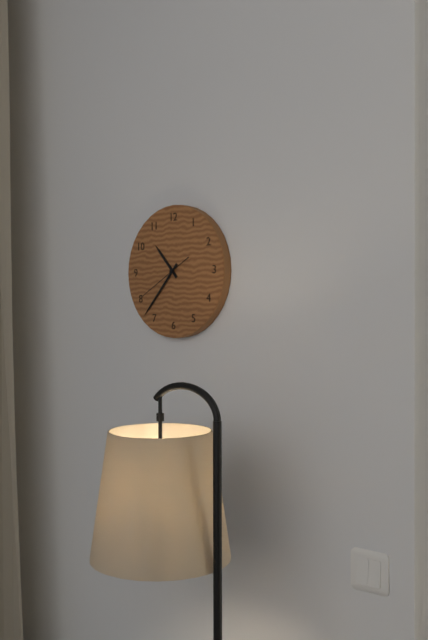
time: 10:37
